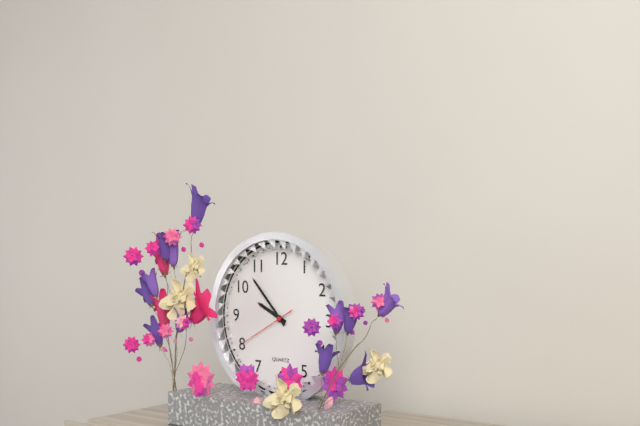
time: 9:53:40
